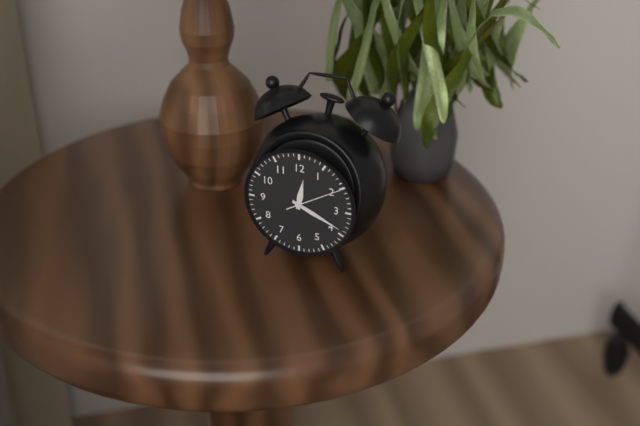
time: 12:19:10
